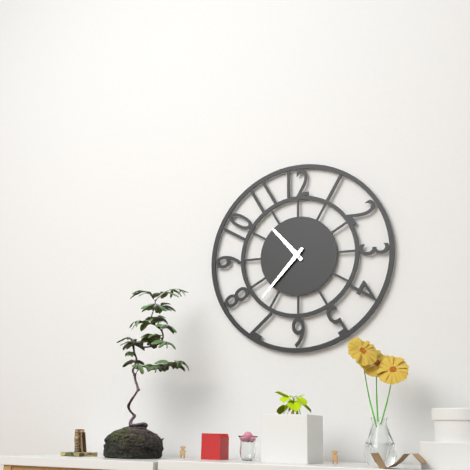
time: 10:37
